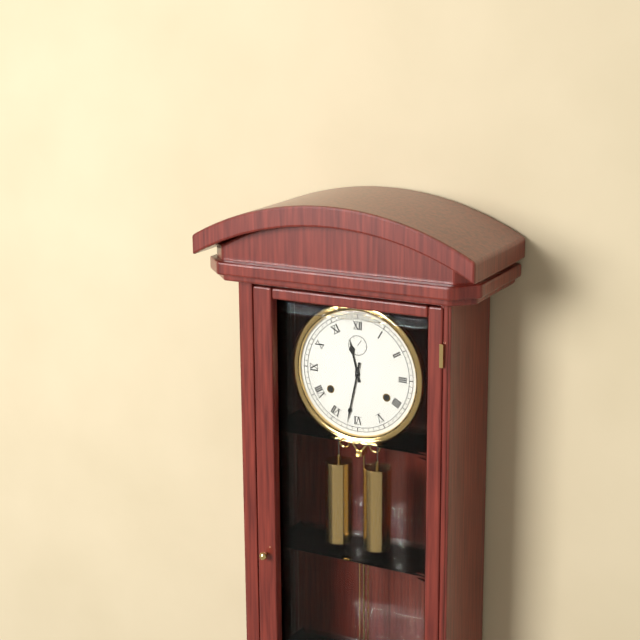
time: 11:32
